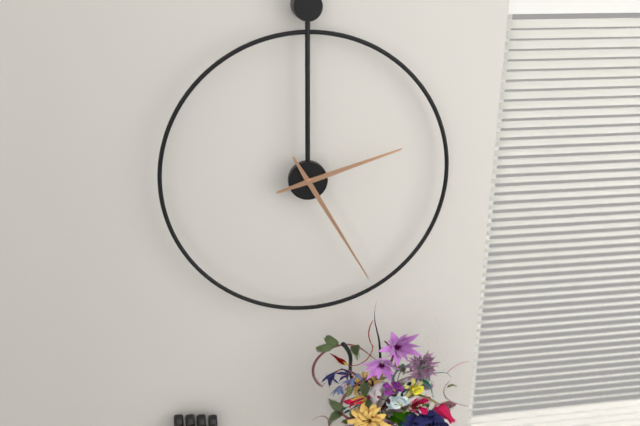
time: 2:25
